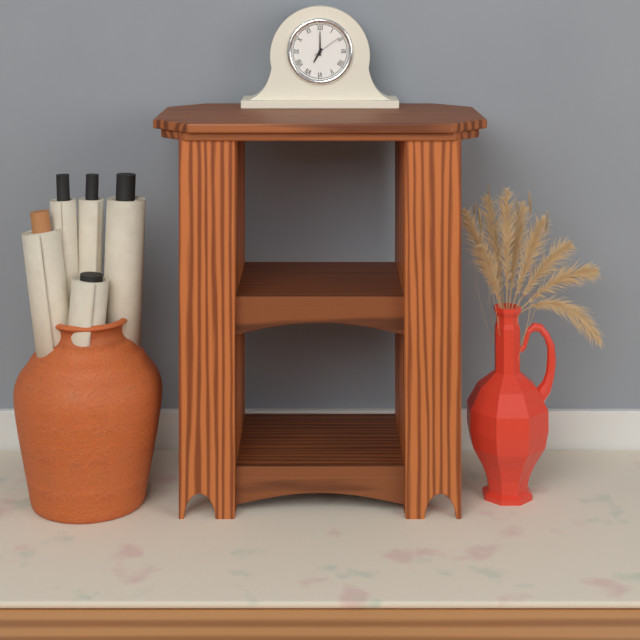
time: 7:00
